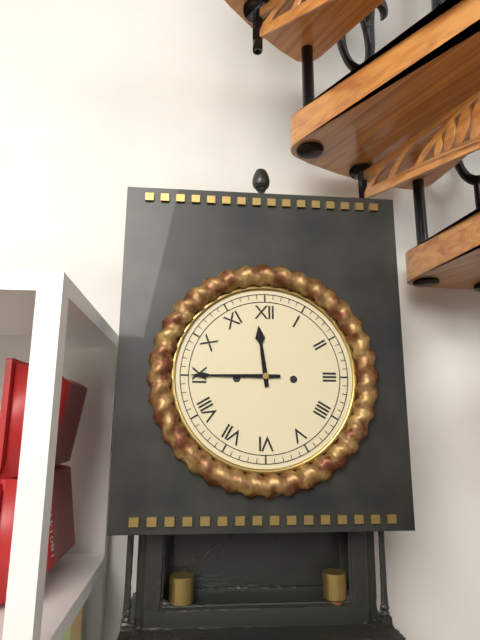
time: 11:45
